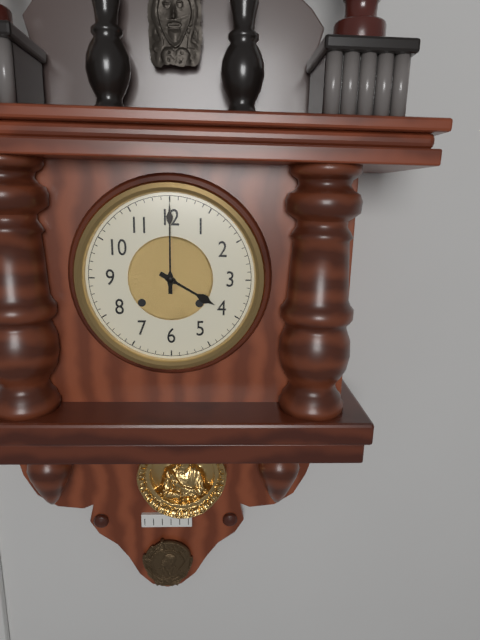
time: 4:00
